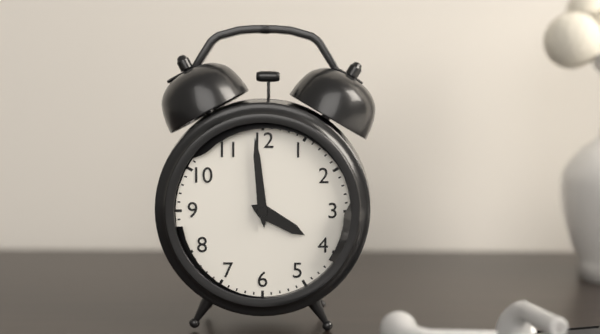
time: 3:59
